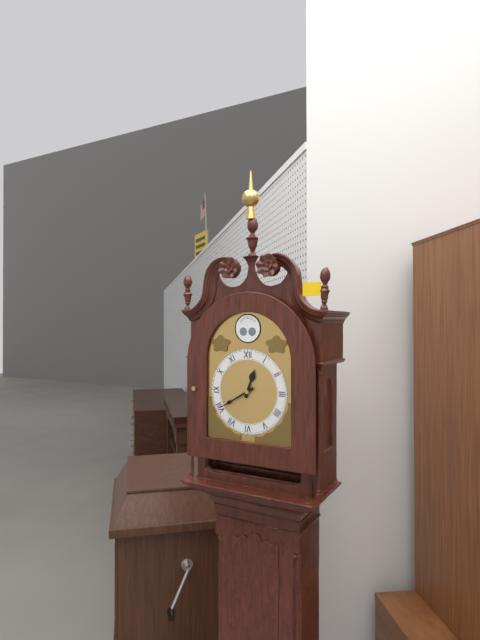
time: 12:40
